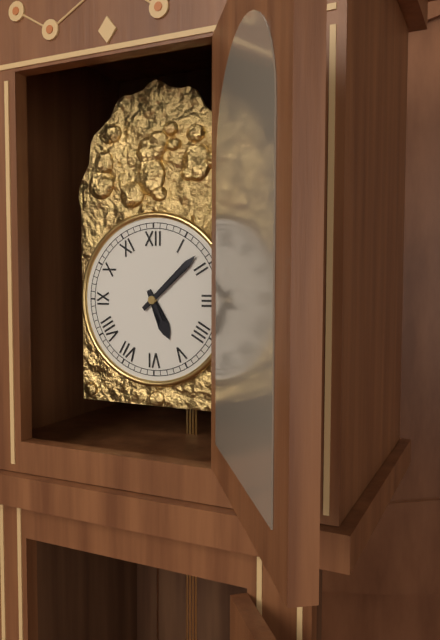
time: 5:08
